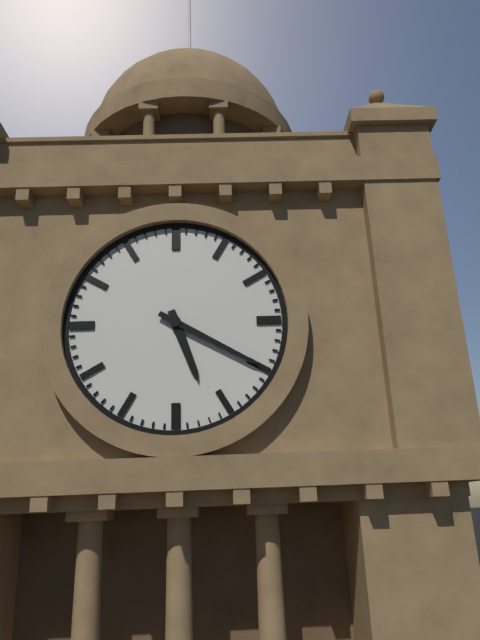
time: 5:20
